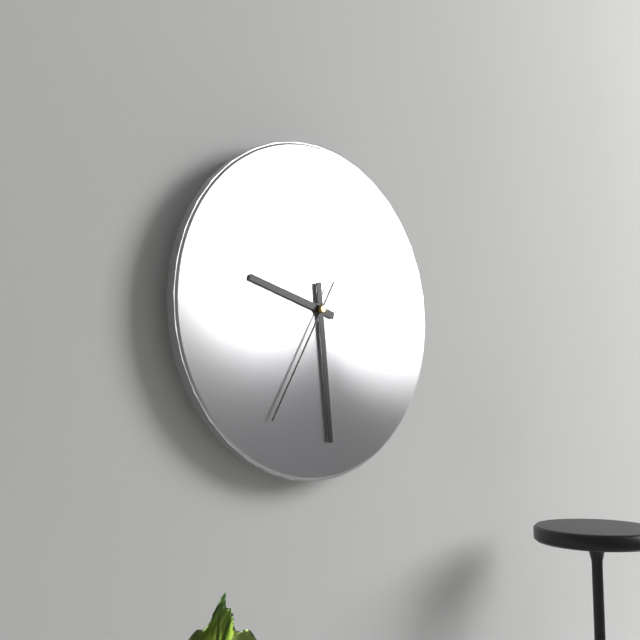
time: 9:29:35
